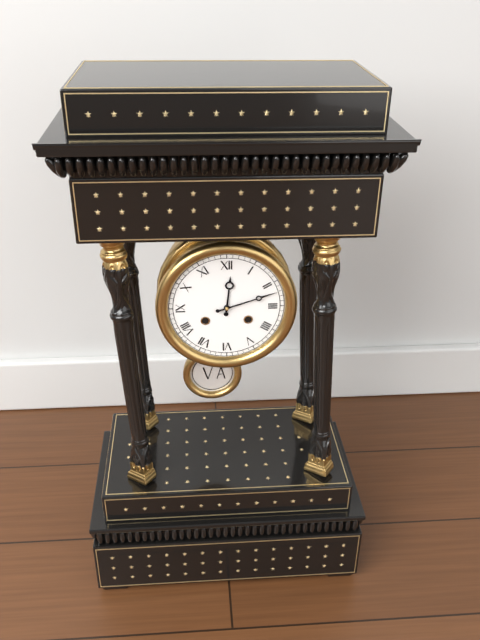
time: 12:12
